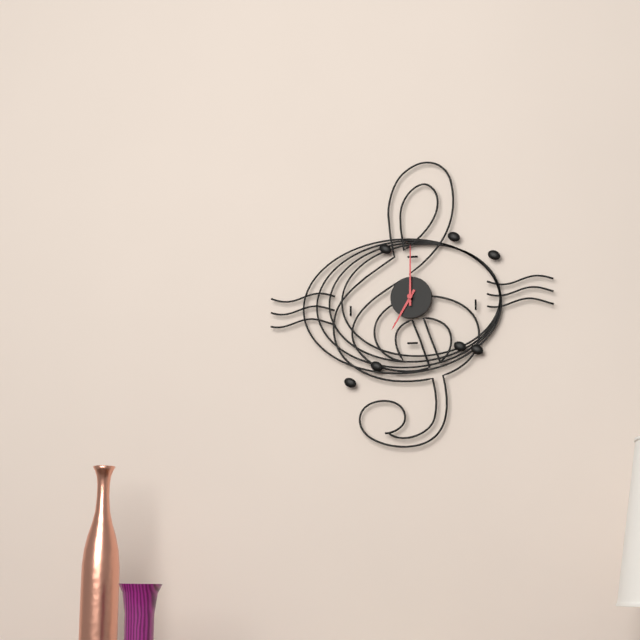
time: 7:00
